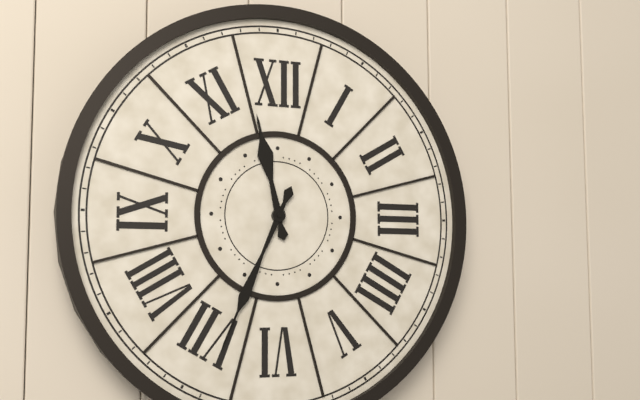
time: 11:34
